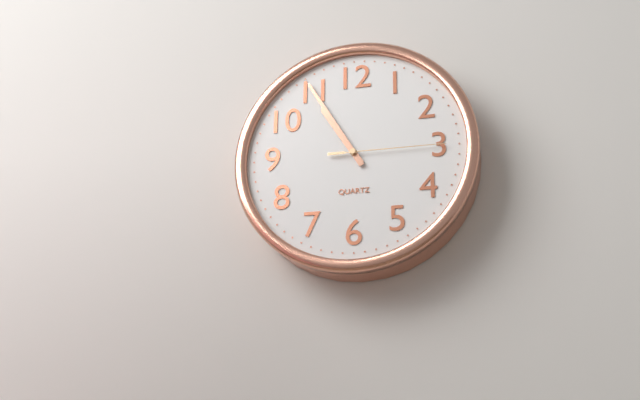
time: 10:55:15
